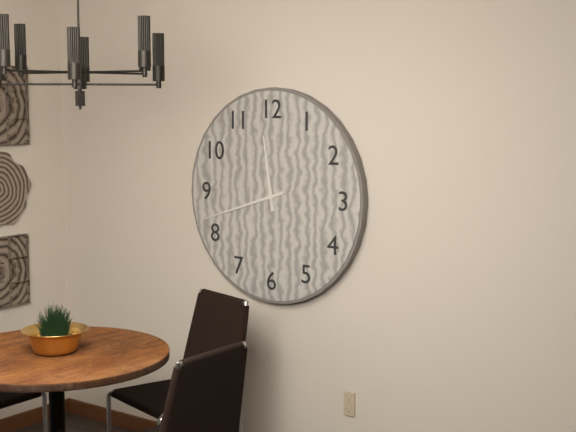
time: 11:42
